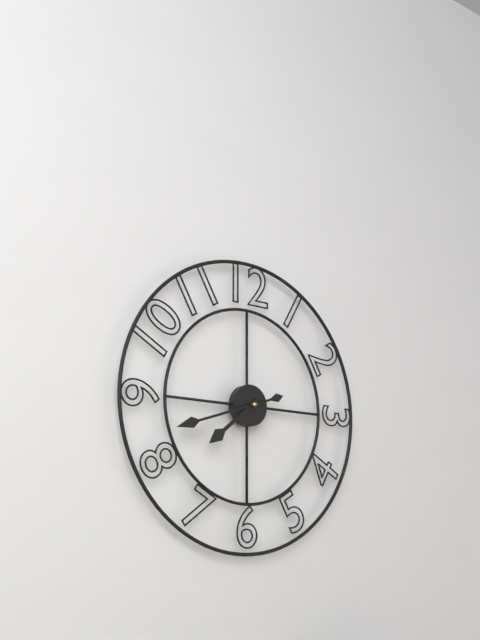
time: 7:42
